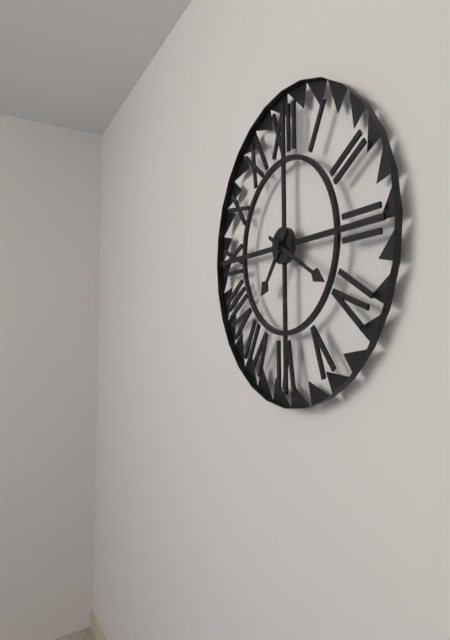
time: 7:20
